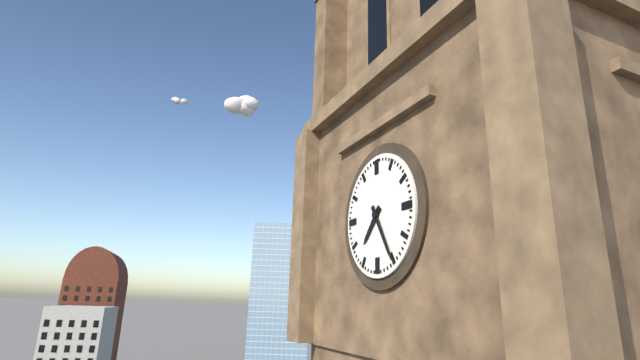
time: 7:25
